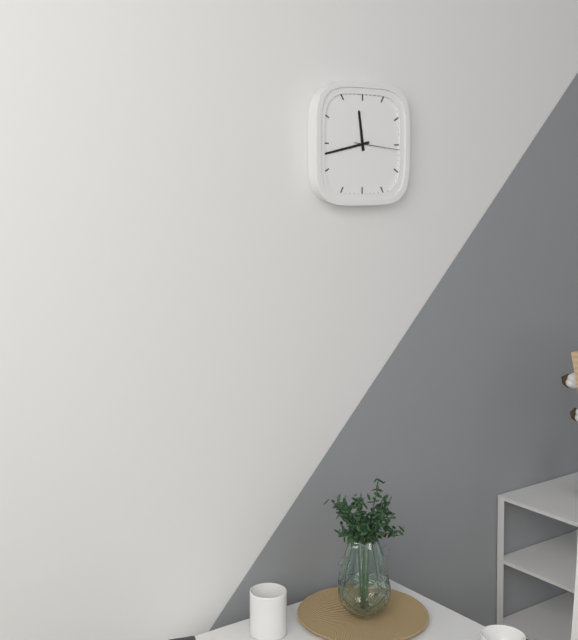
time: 11:43
